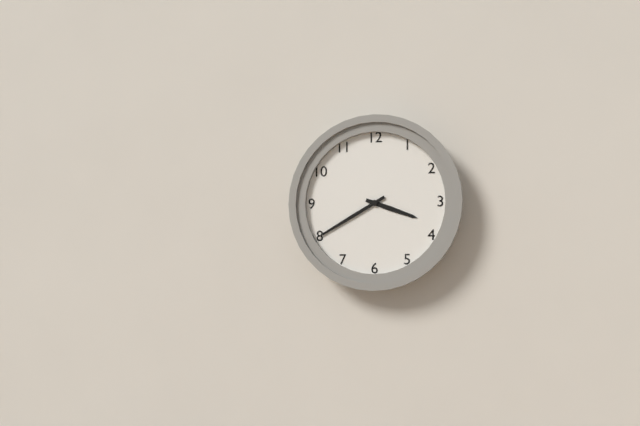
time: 3:40
